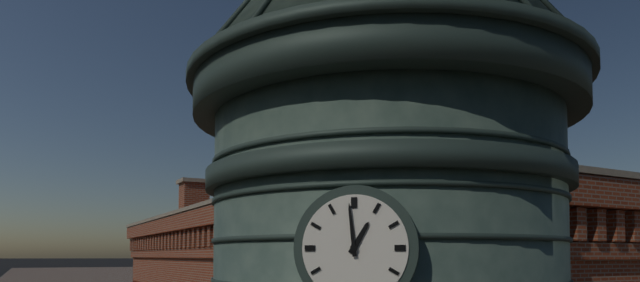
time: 12:59
